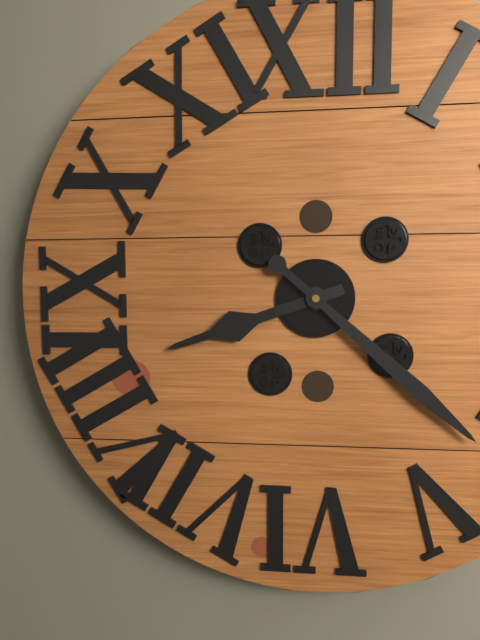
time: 8:22
